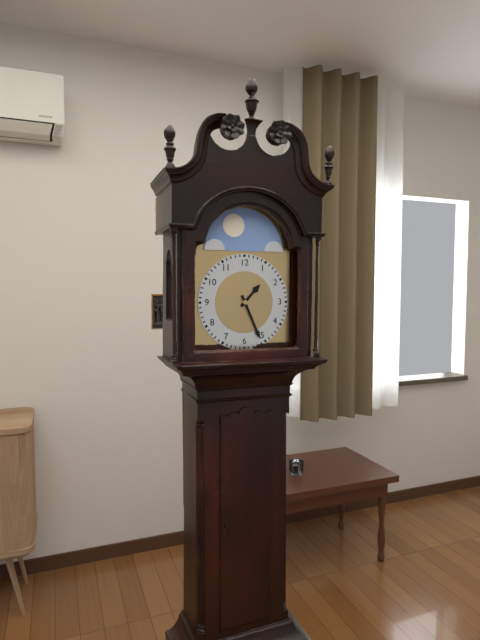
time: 1:26
